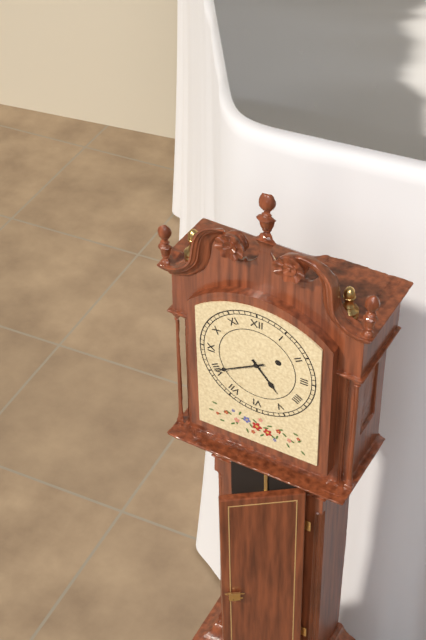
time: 4:40
